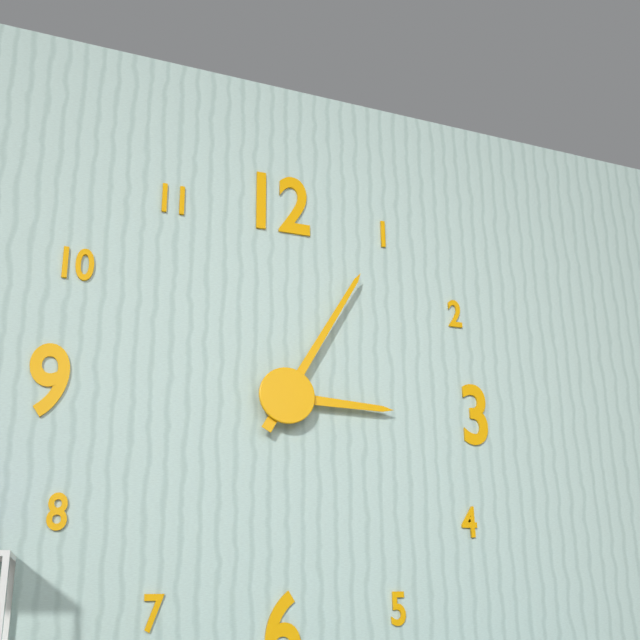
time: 3:05
